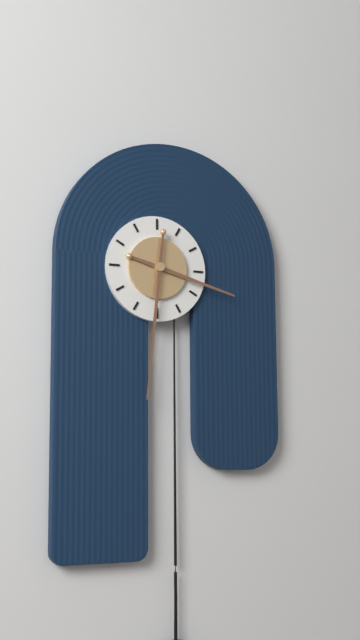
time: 3:31
